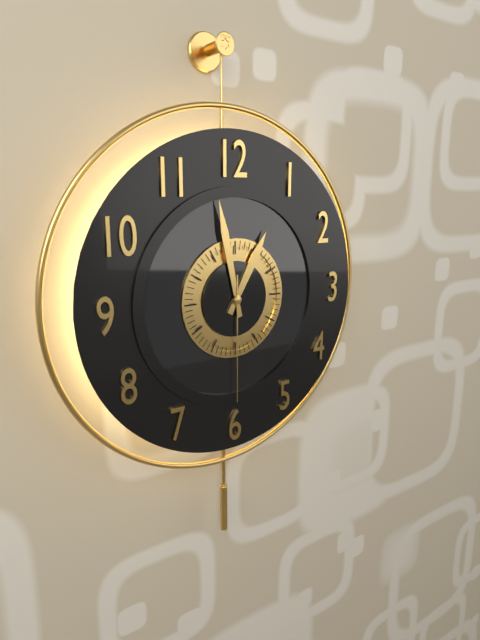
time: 12:58:30
